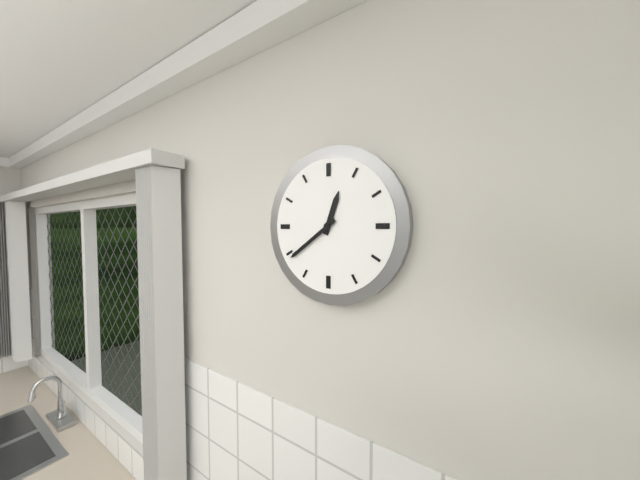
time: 12:39
